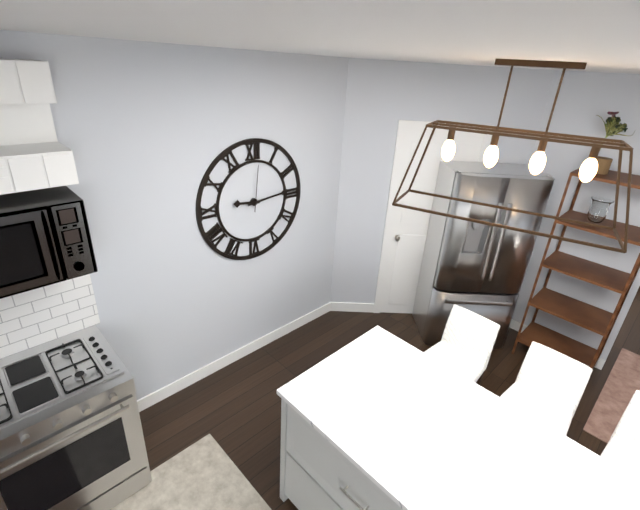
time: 9:14
